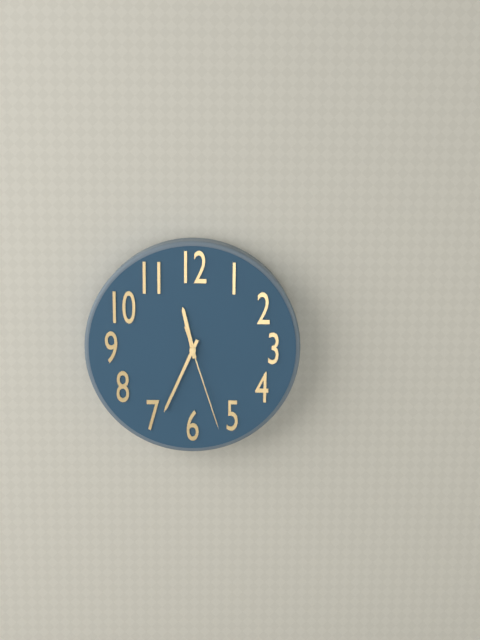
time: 11:34:27
